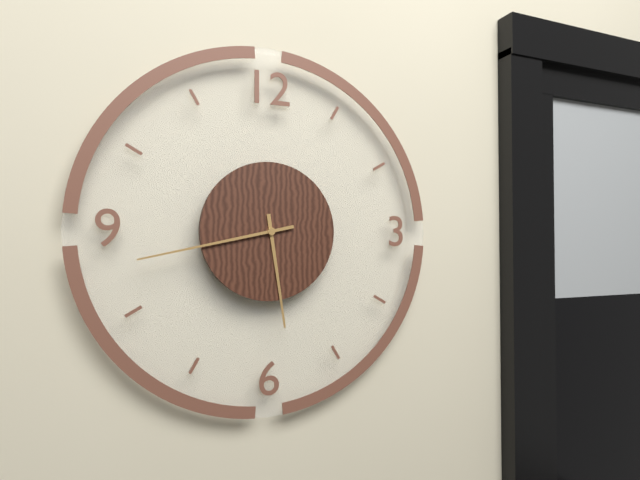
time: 5:43
